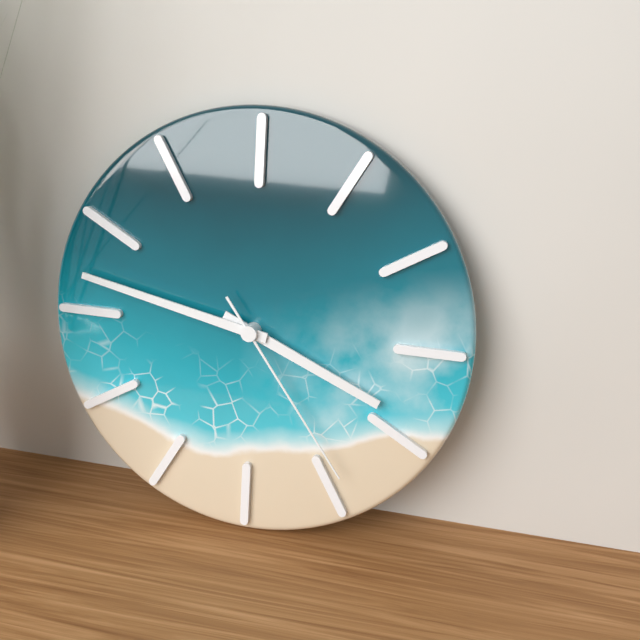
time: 3:47:24
